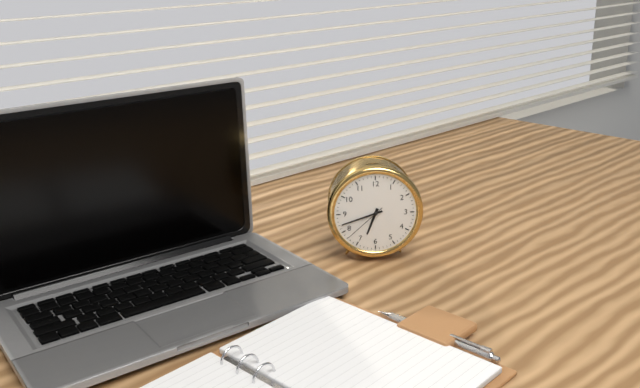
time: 6:42
